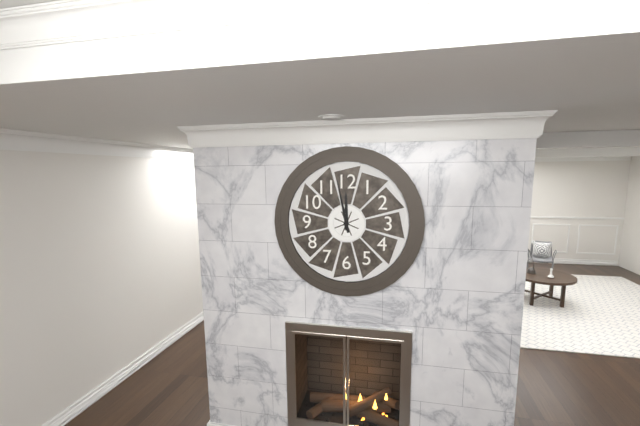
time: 11:58
